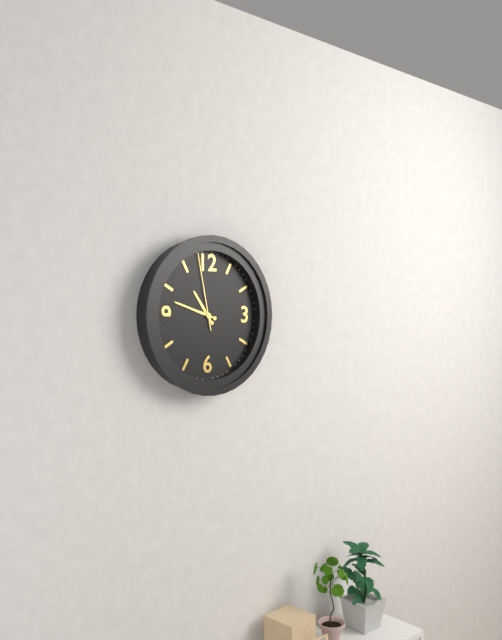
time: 10:48:58
